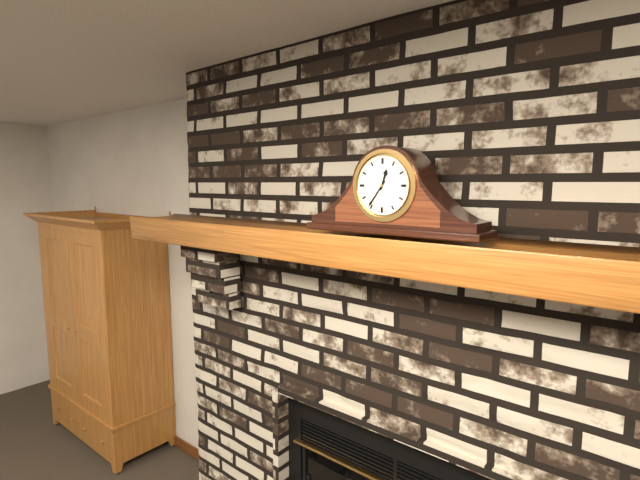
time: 12:36
